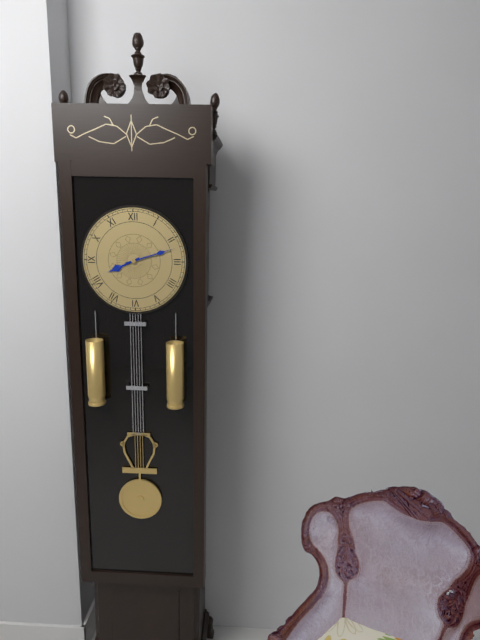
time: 8:12
